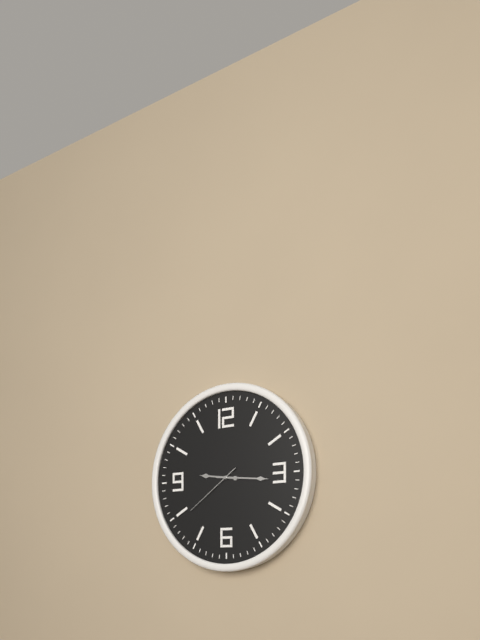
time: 9:16:39
